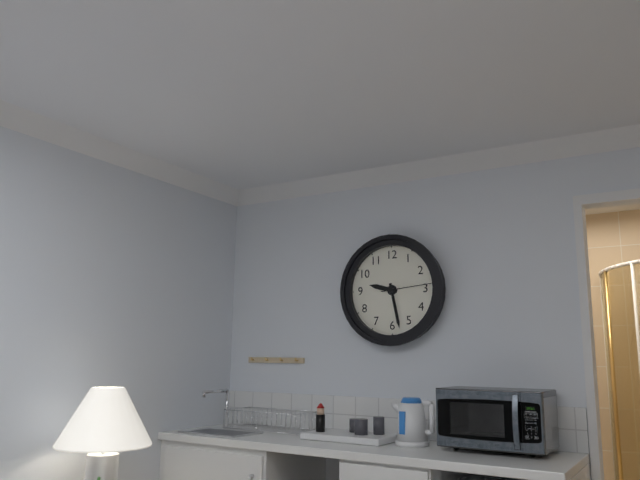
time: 9:28:14
